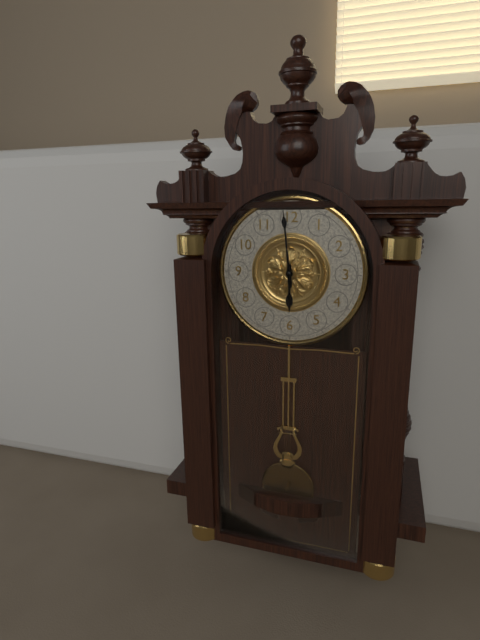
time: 5:59
